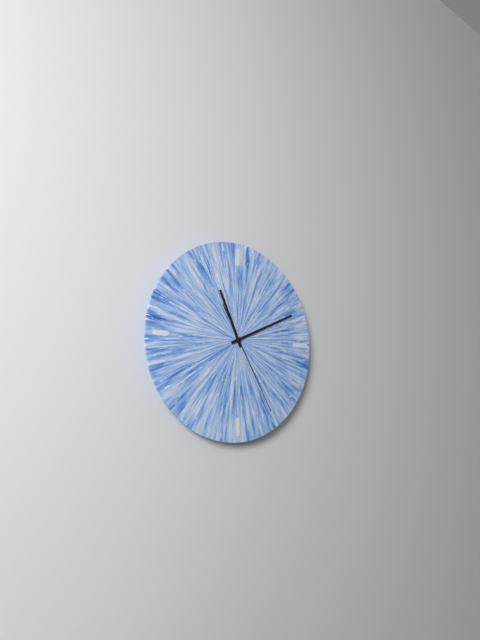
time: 11:11:25
